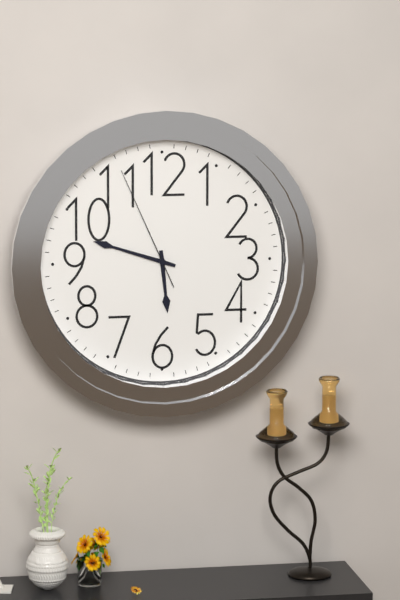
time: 5:48:56
